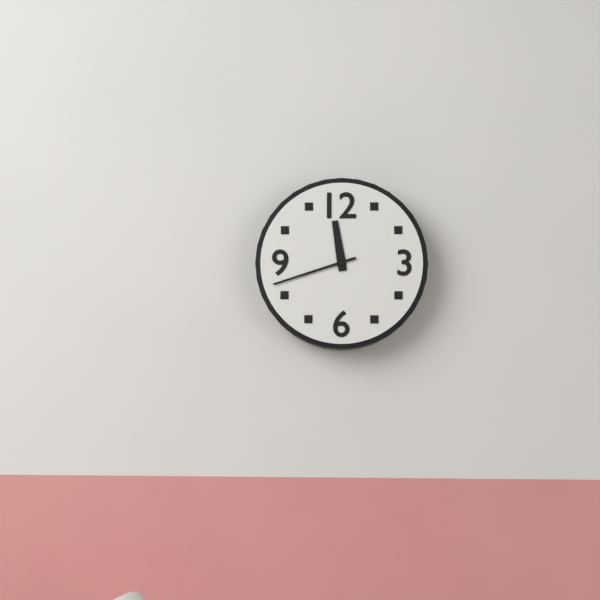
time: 11:42
